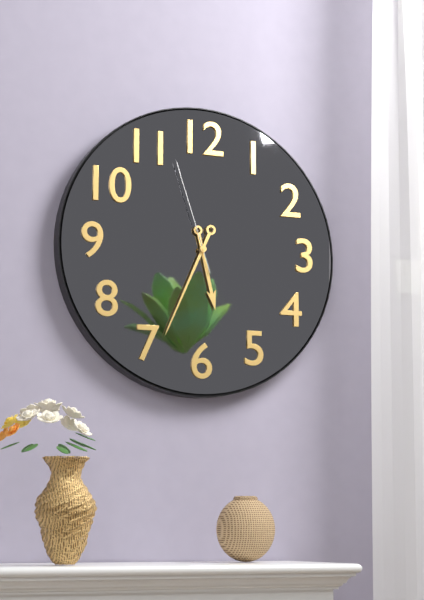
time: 5:34:57
